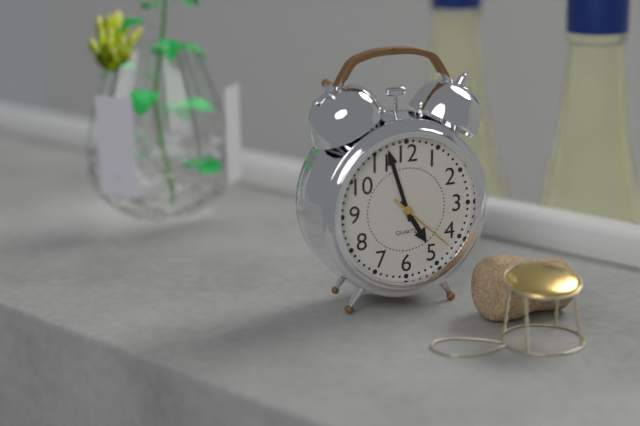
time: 4:57:22
